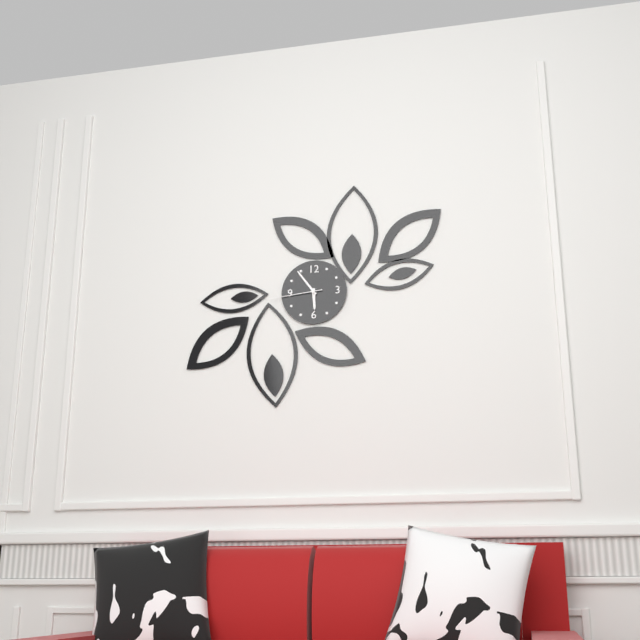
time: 5:54:44
